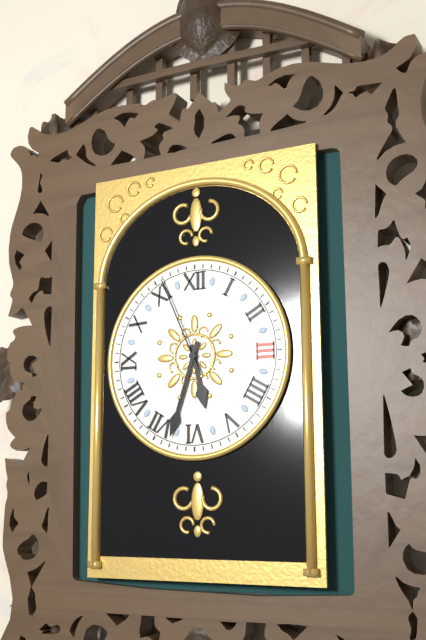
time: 5:33:56
